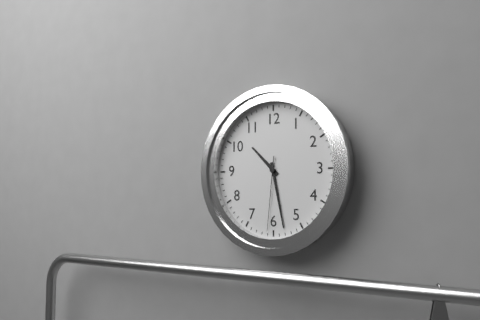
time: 10:28:31
